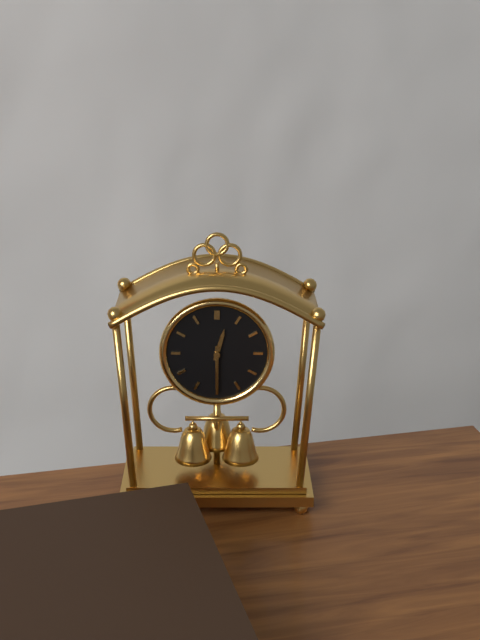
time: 12:30
